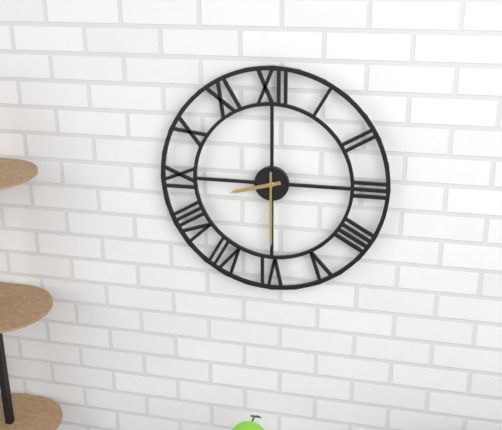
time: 8:30
